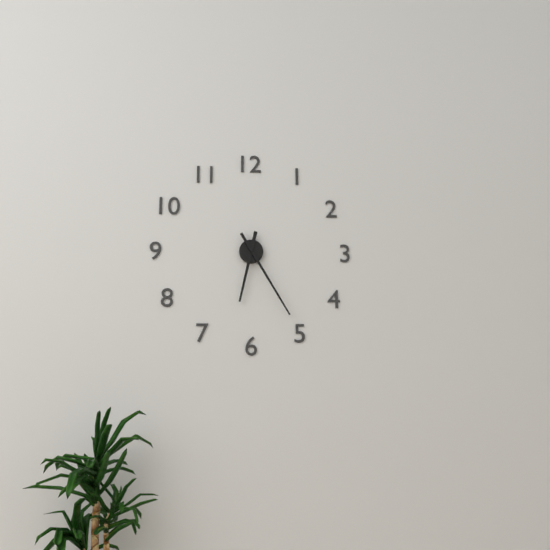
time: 6:25
